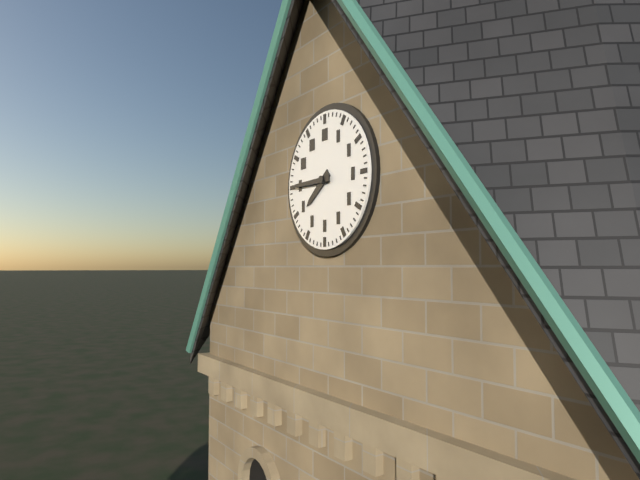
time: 7:45
